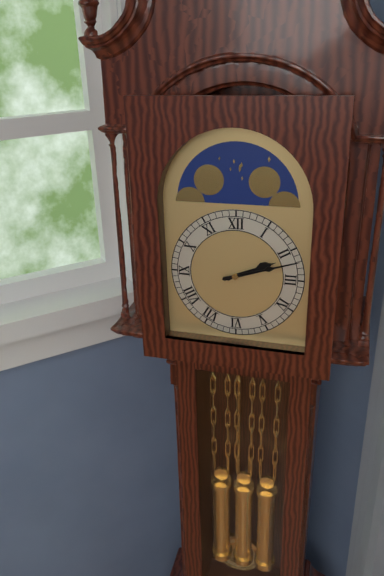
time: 2:12
